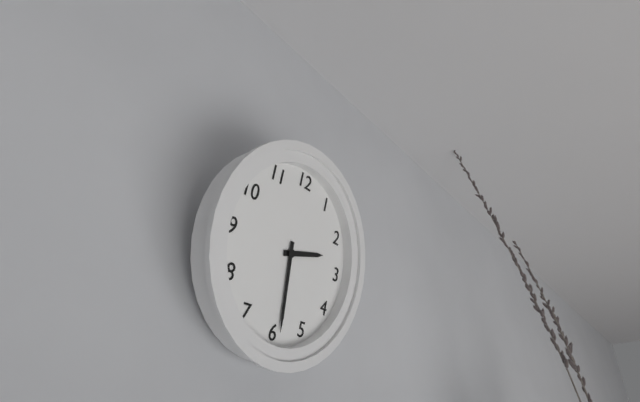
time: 2:29
